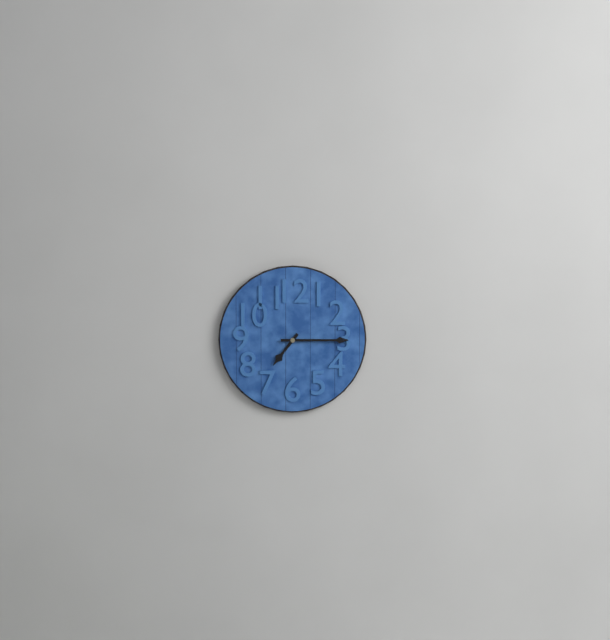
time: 7:15
